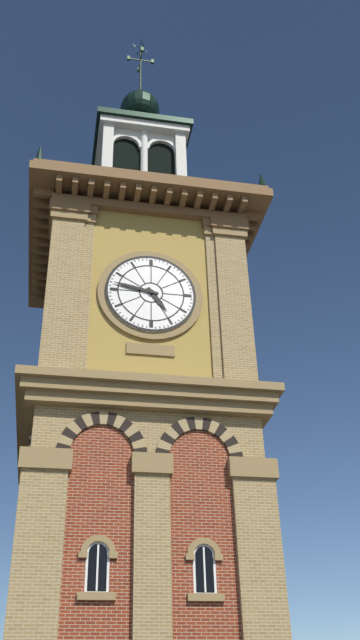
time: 4:47
